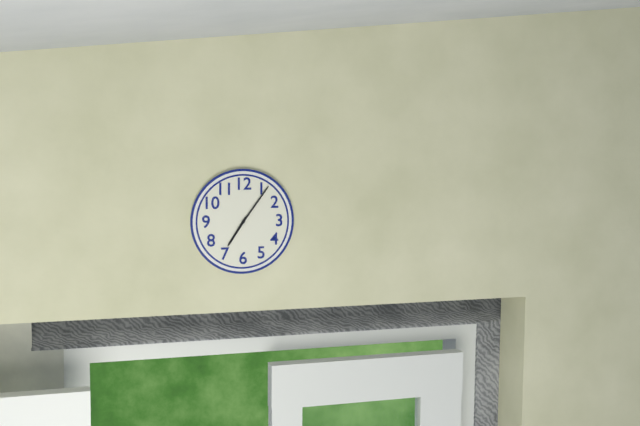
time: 7:06
